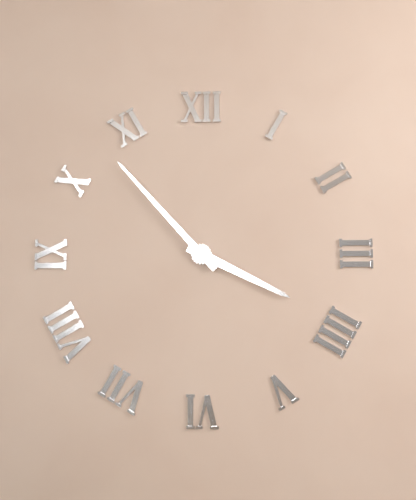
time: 3:53
